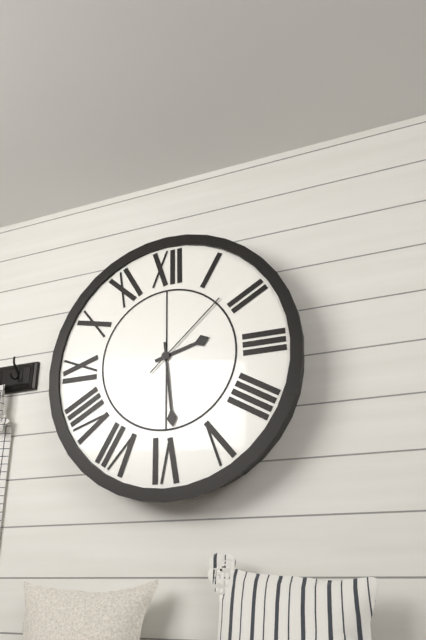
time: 2:29:08
